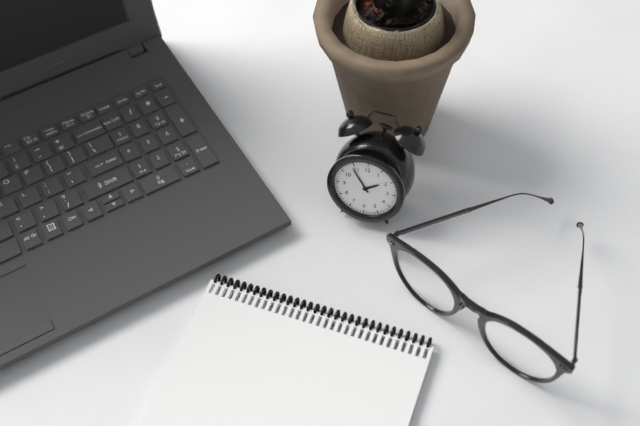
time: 1:54
